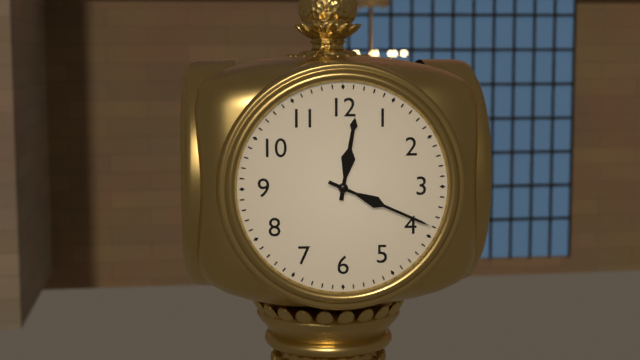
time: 12:19
